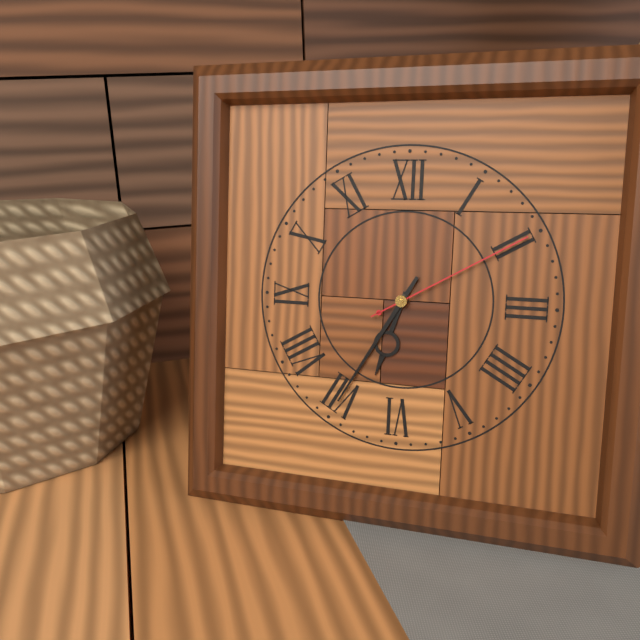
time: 6:35:10
